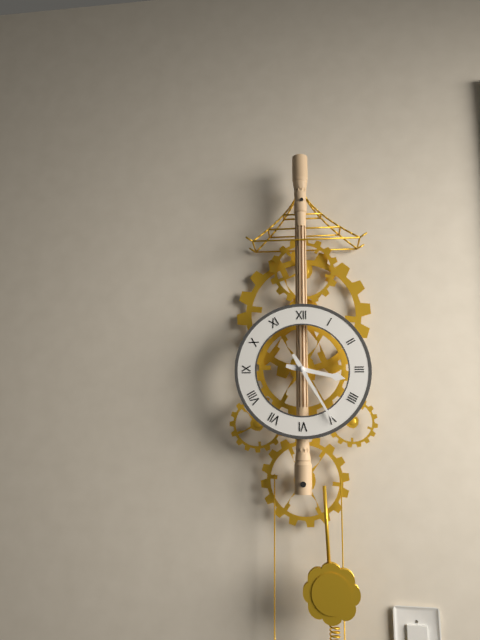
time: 3:25
